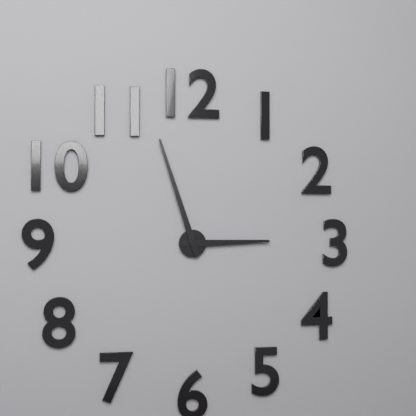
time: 2:57
